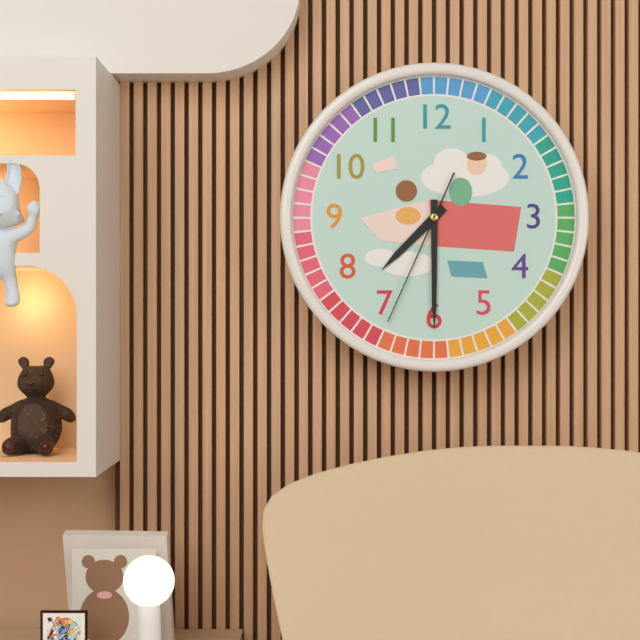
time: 7:30:34
